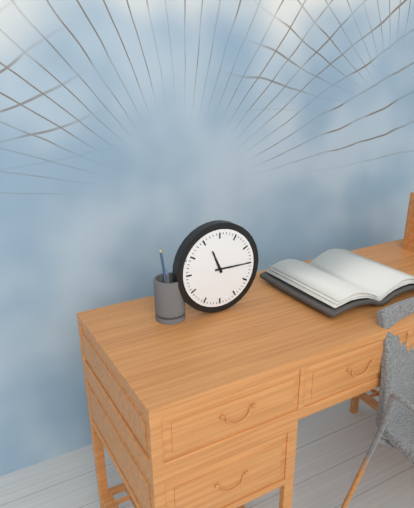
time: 11:15
